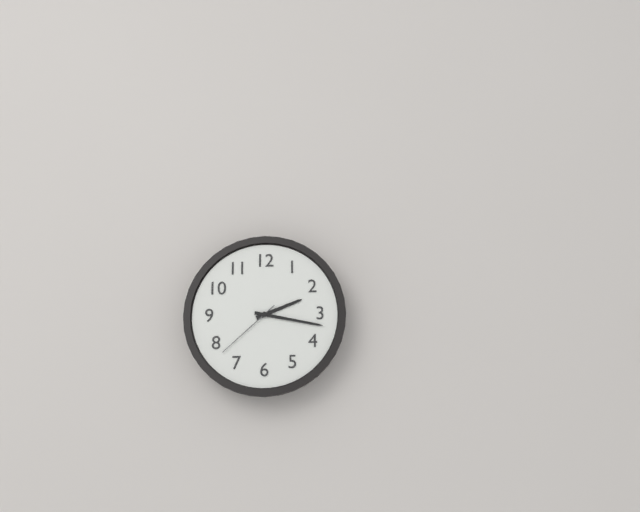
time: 2:17:38
